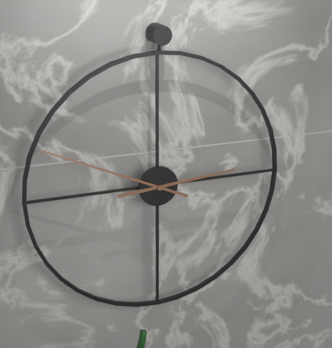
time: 2:49
